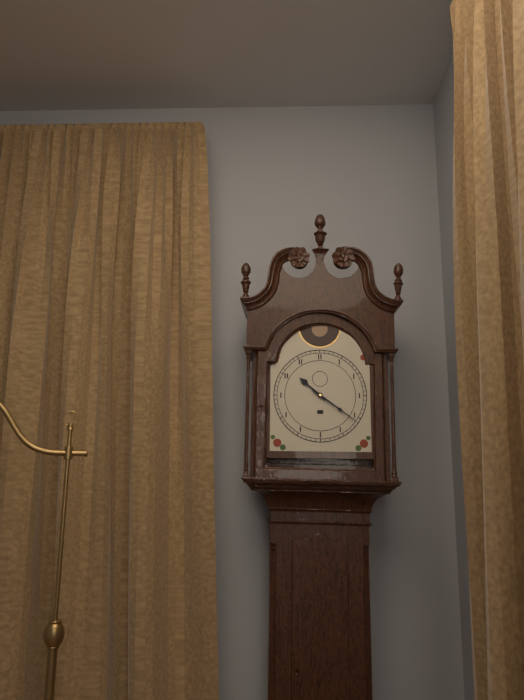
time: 10:21
